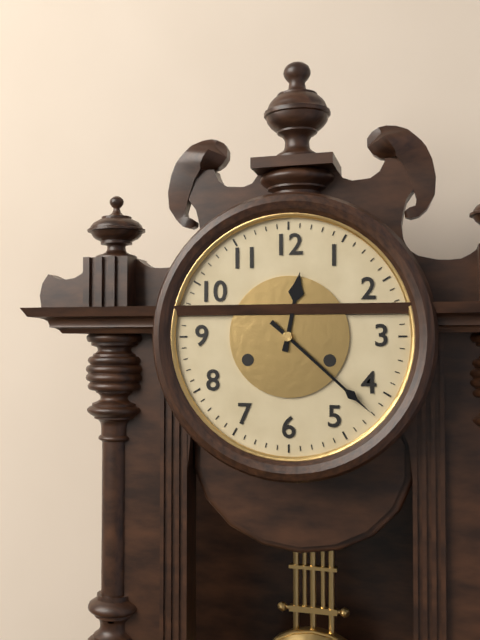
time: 12:22
